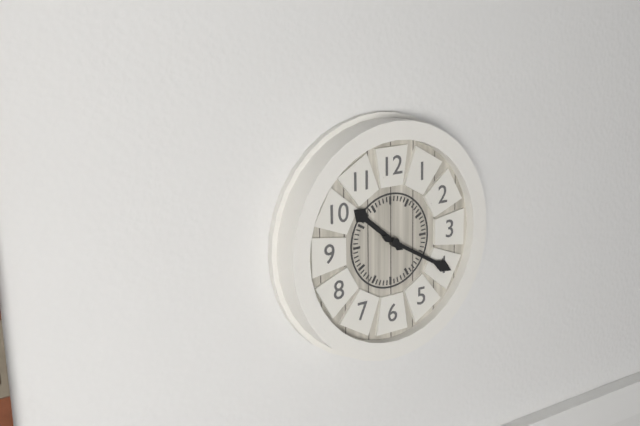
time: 10:20
